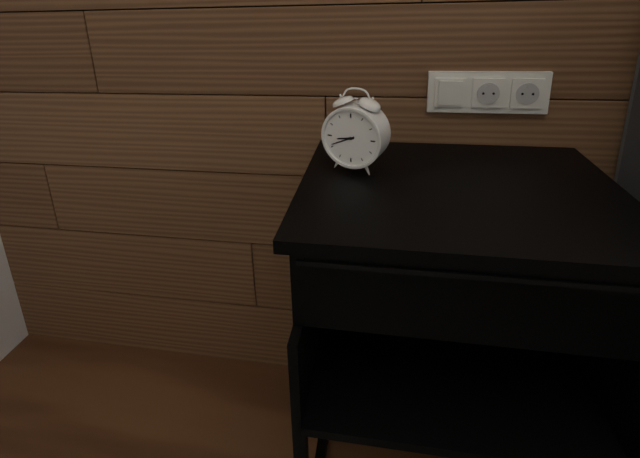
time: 8:41
